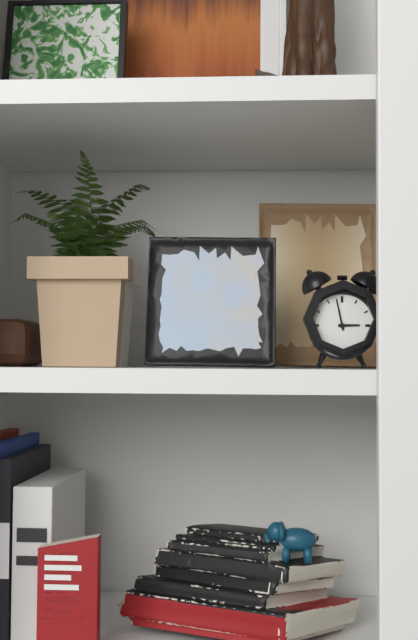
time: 2:58
